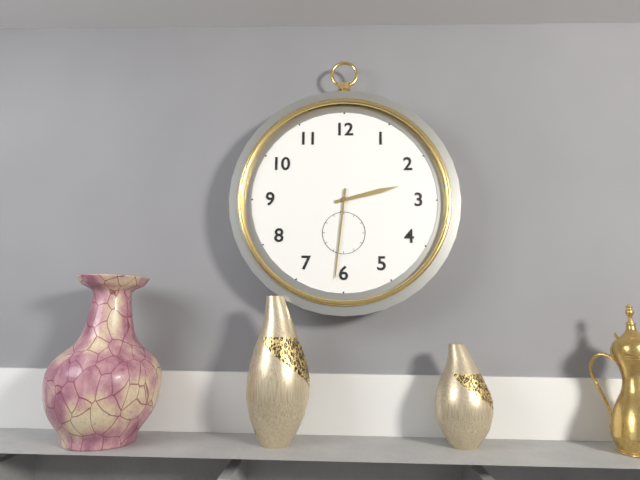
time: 2:31
